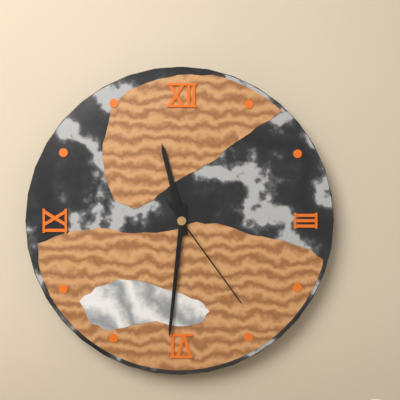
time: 11:31:24
